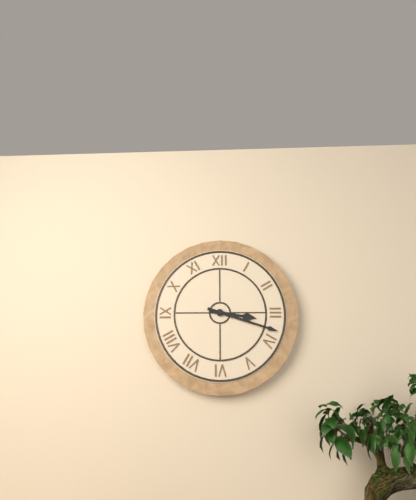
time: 3:18
